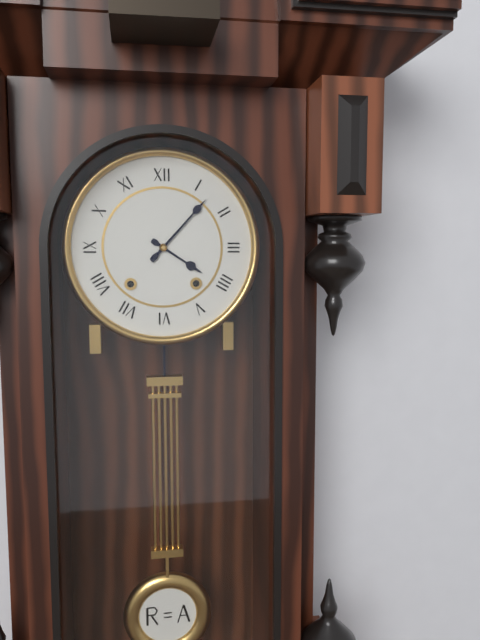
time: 4:07
